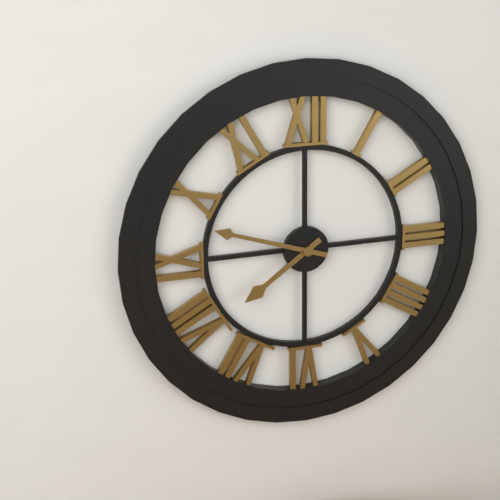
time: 7:48
